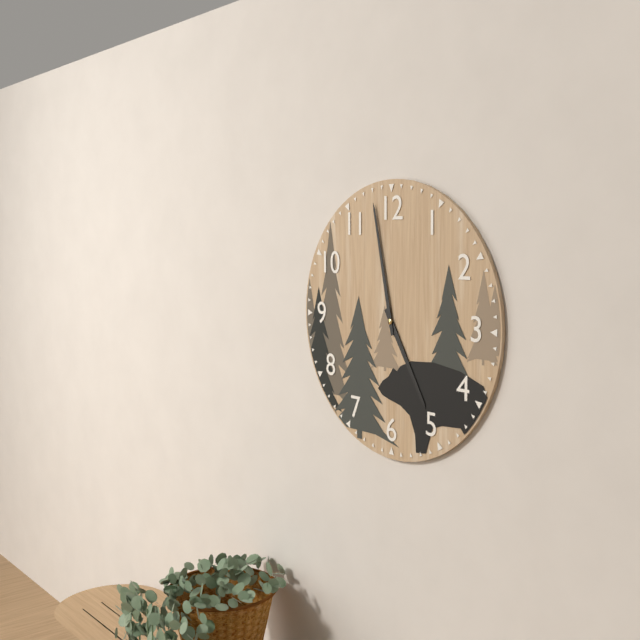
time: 4:58
